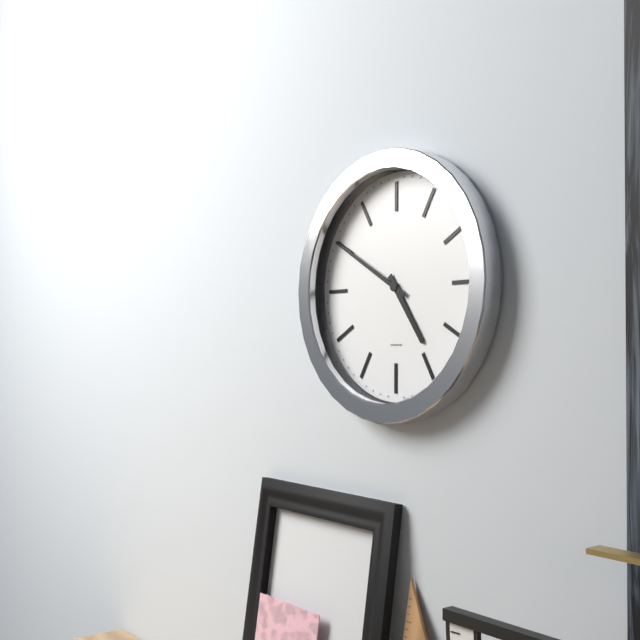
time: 4:50
